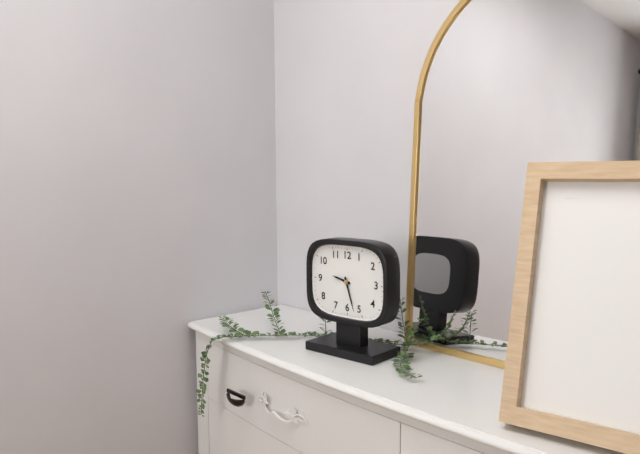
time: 9:27
